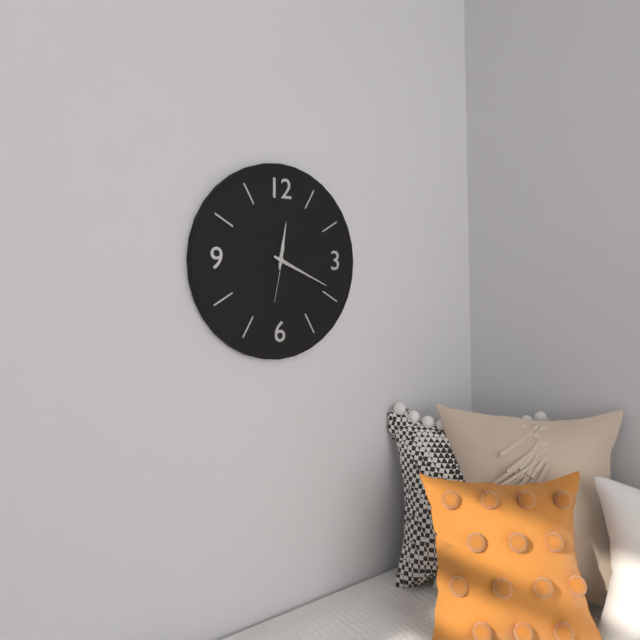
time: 12:19:32
